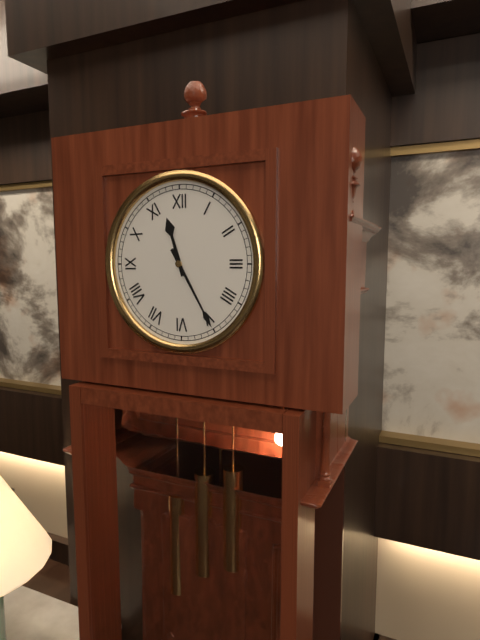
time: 11:25
